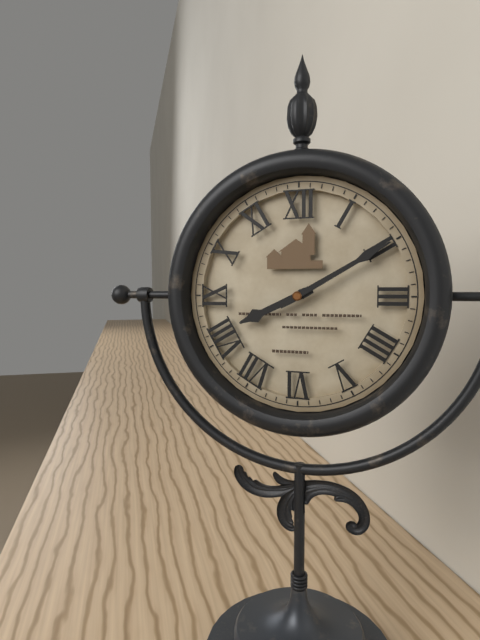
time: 8:10
